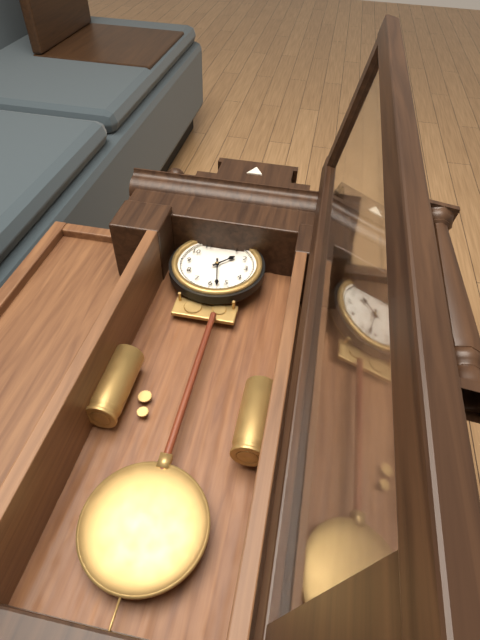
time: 1:28
